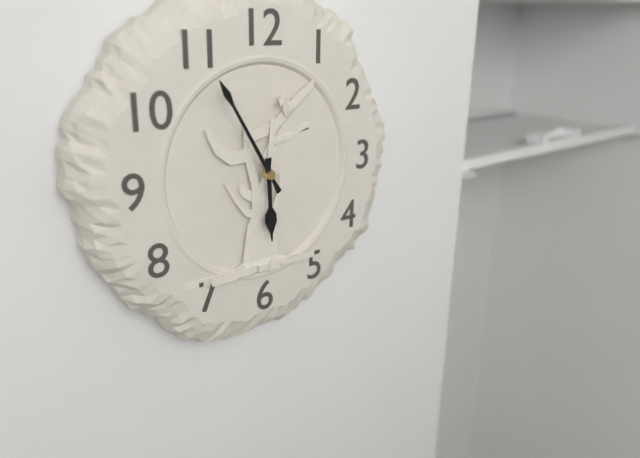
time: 5:55
